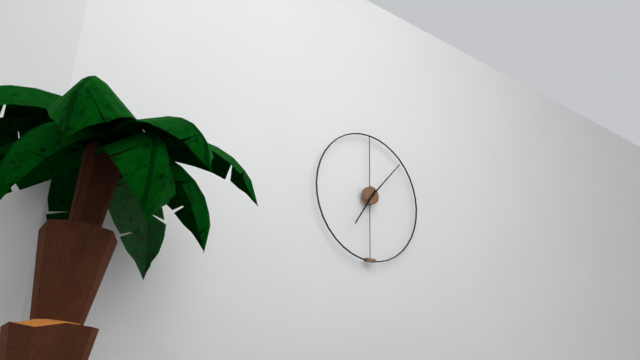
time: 7:07
